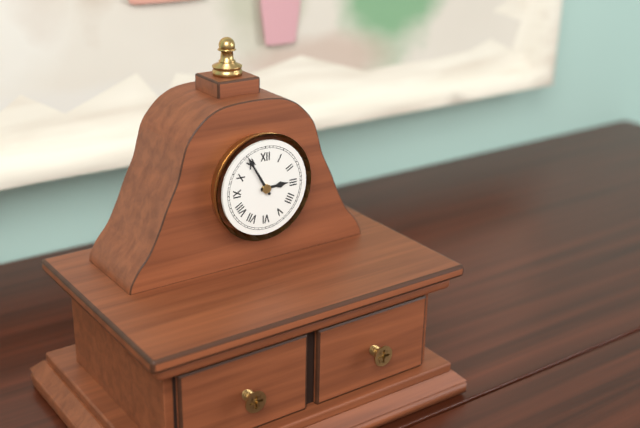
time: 2:55
